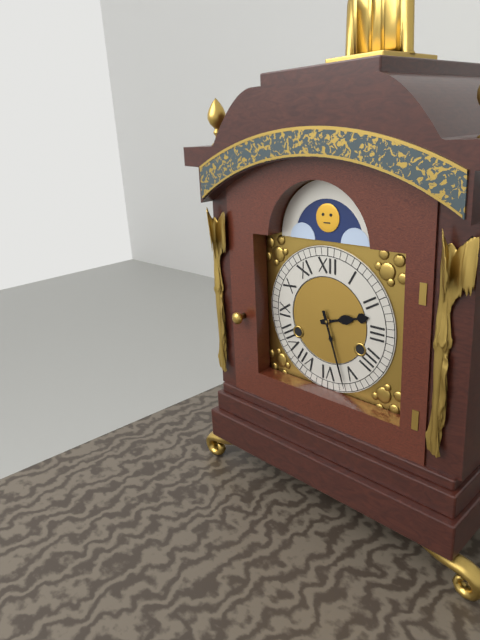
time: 2:27
